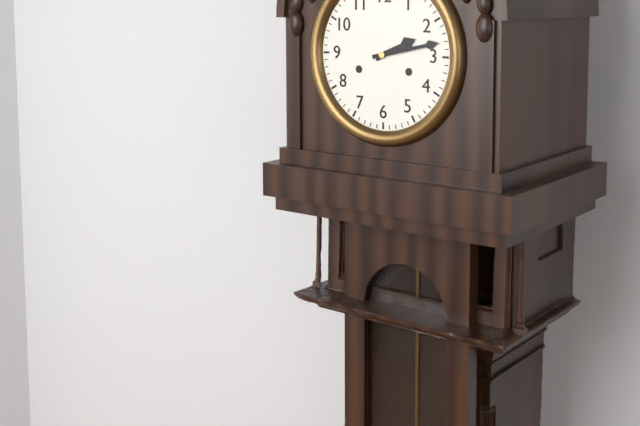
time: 2:13
